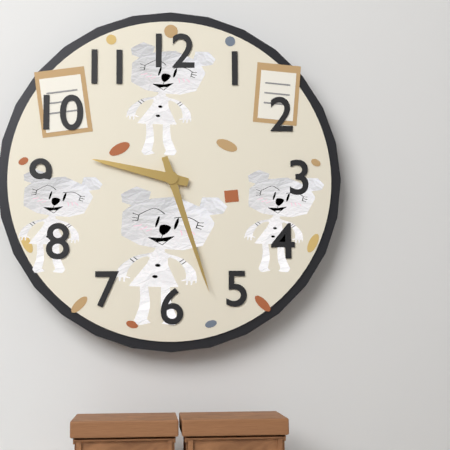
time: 9:27
